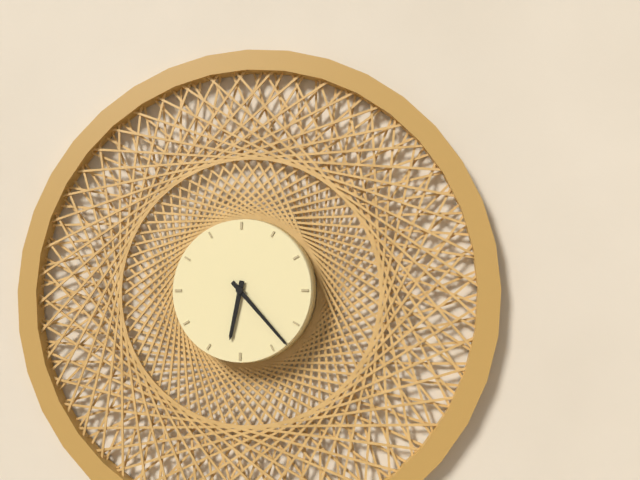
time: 6:23
